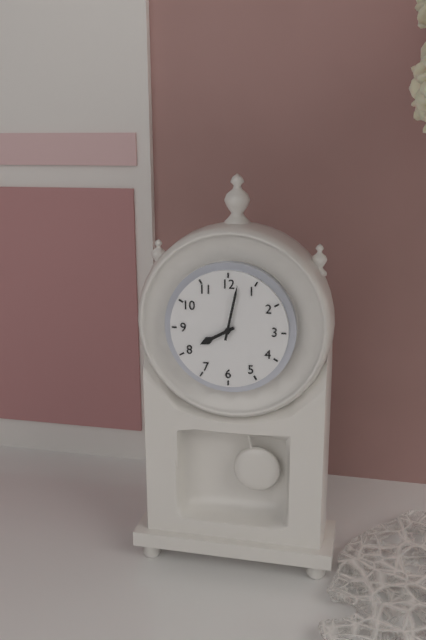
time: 8:02
